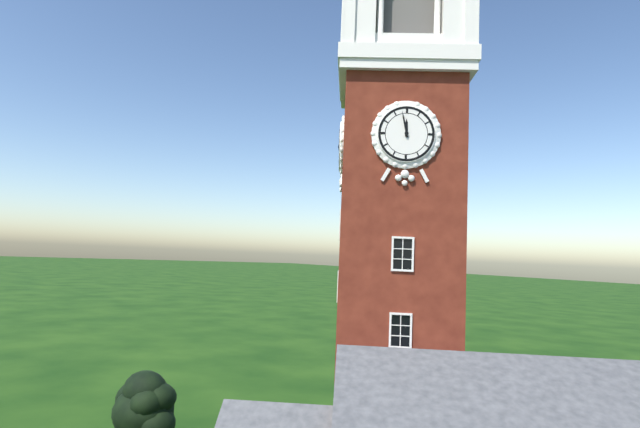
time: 11:58
